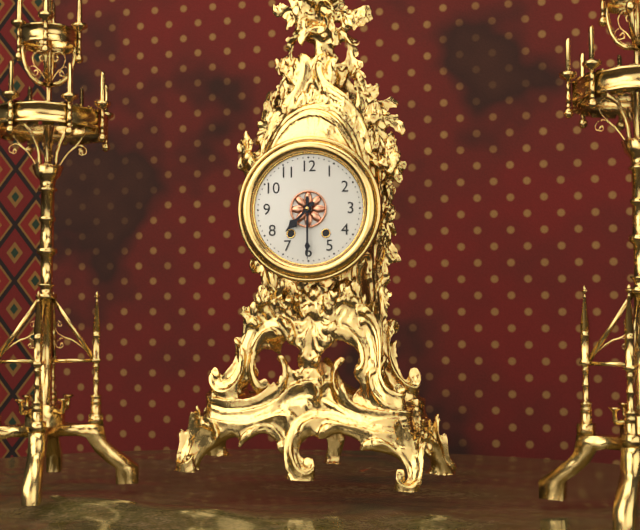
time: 7:30
